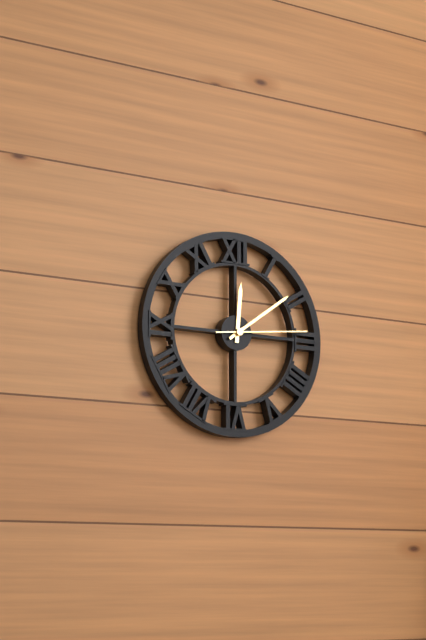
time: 12:09:14
